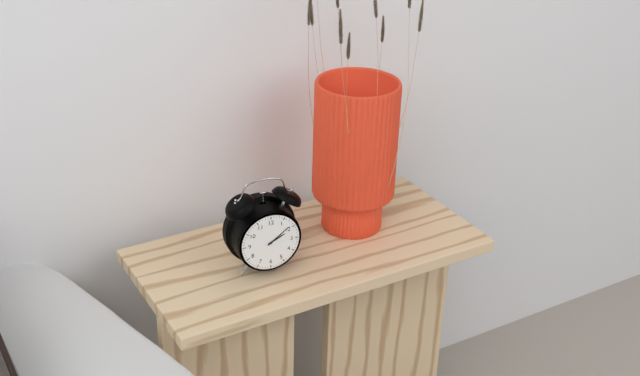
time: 2:09
